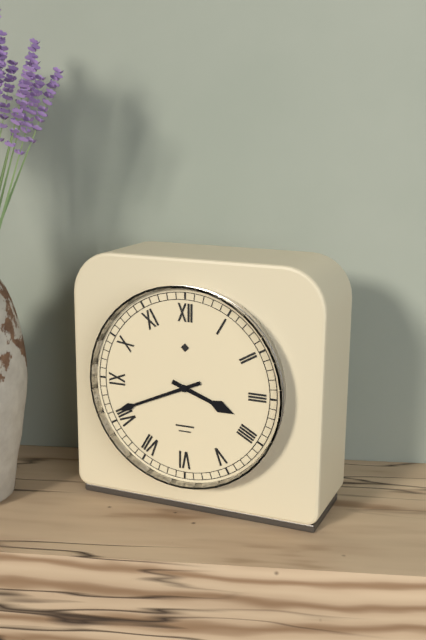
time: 3:41
